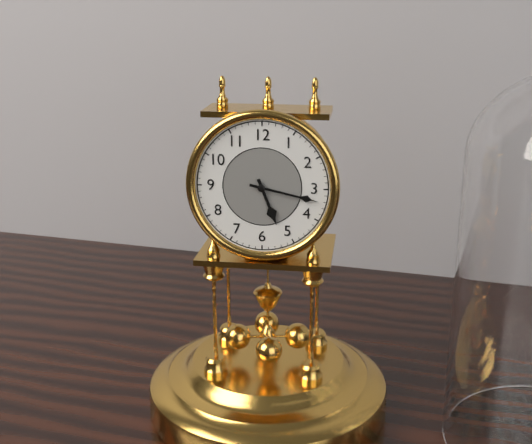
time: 5:17
